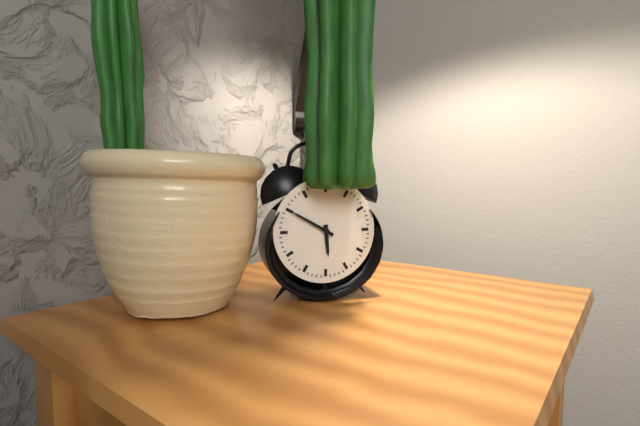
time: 5:50
